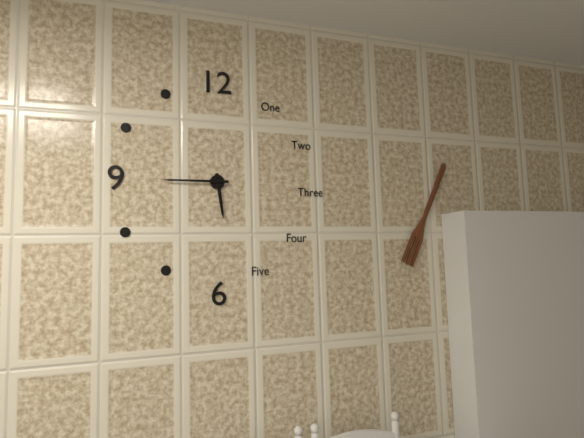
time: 5:45
